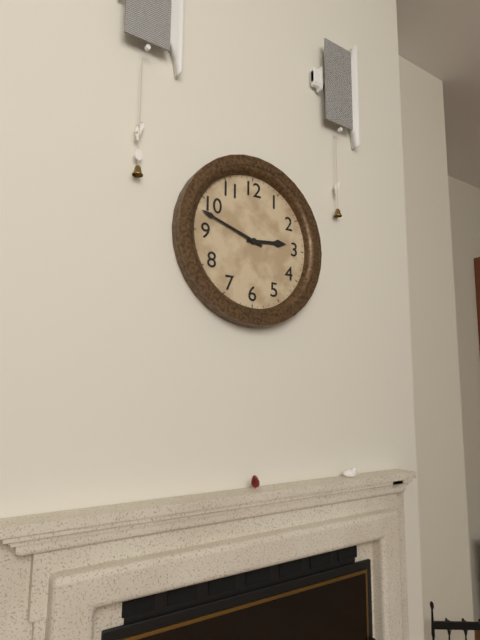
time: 2:48
